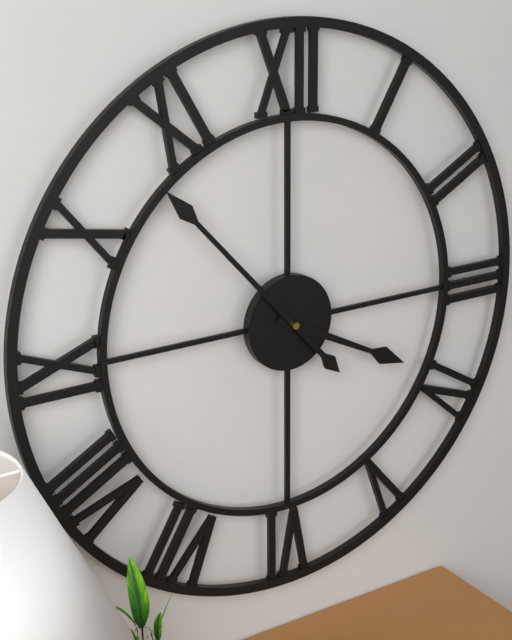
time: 3:53
